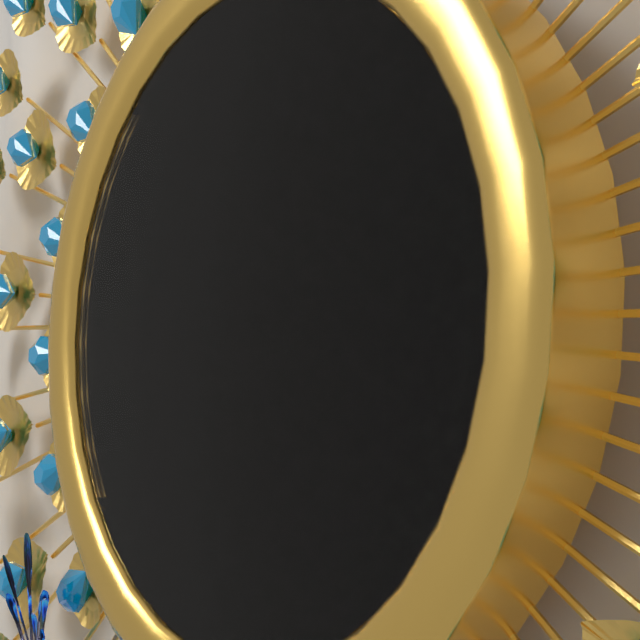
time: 2:01:04
